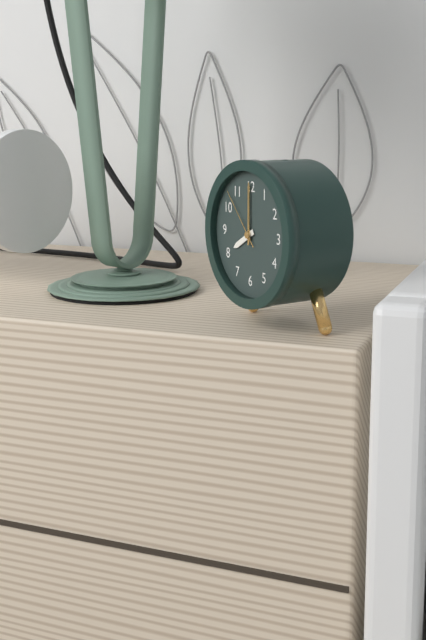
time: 8:00:53
